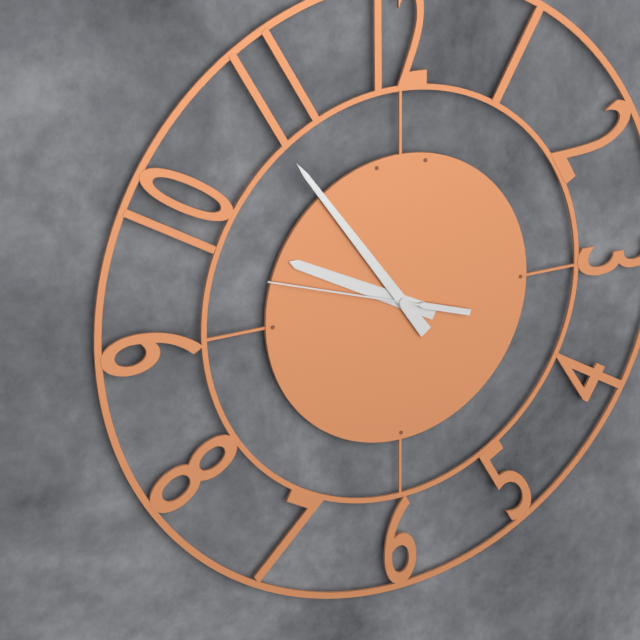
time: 9:54:48
